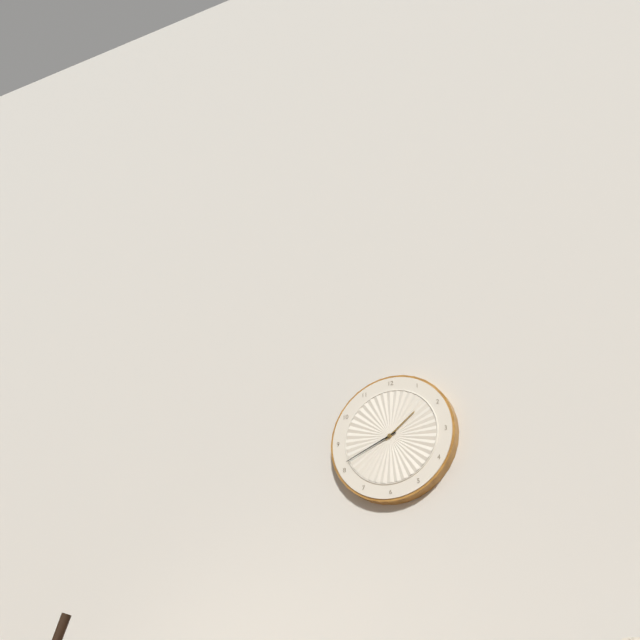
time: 1:41
